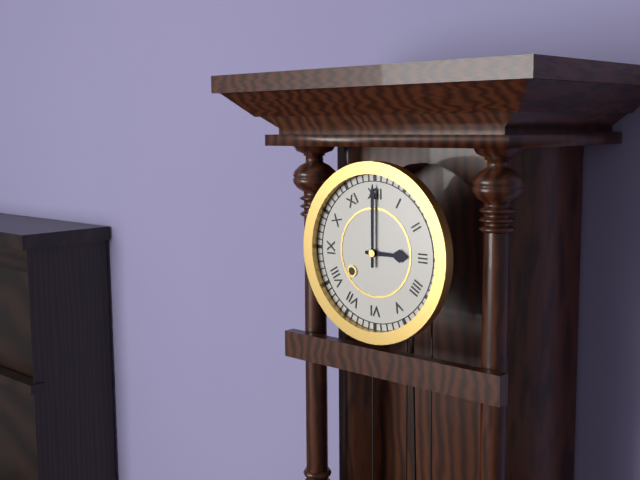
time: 3:00
